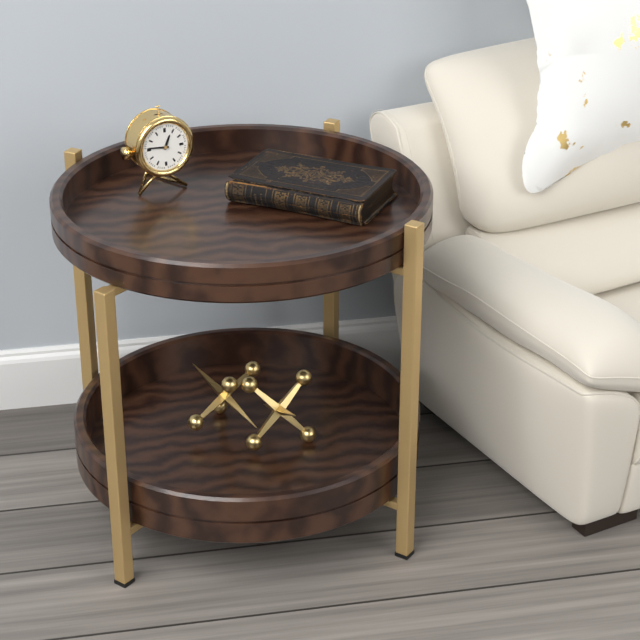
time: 12:46
